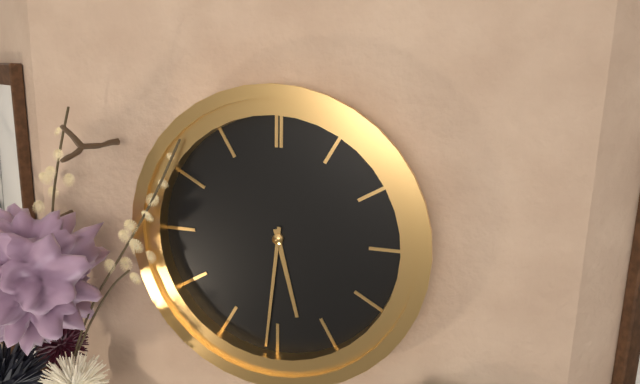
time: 5:31
